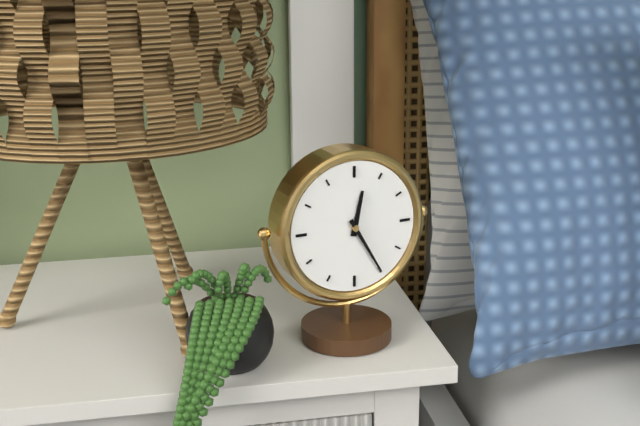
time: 12:25
